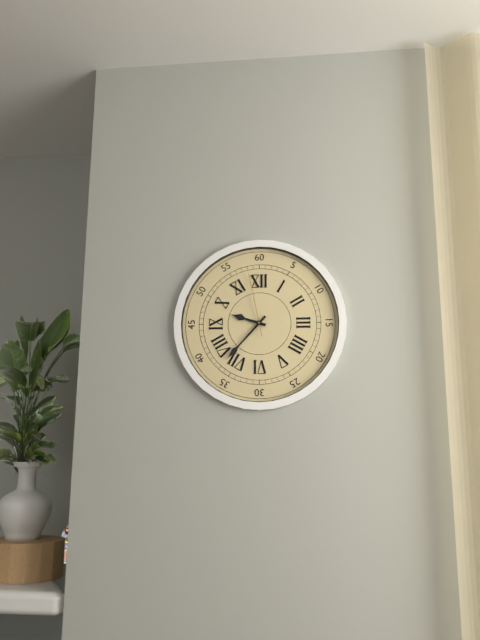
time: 9:37:58
